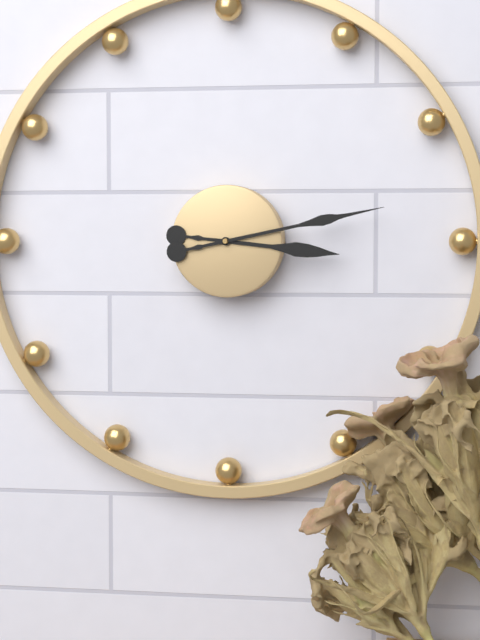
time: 3:13
